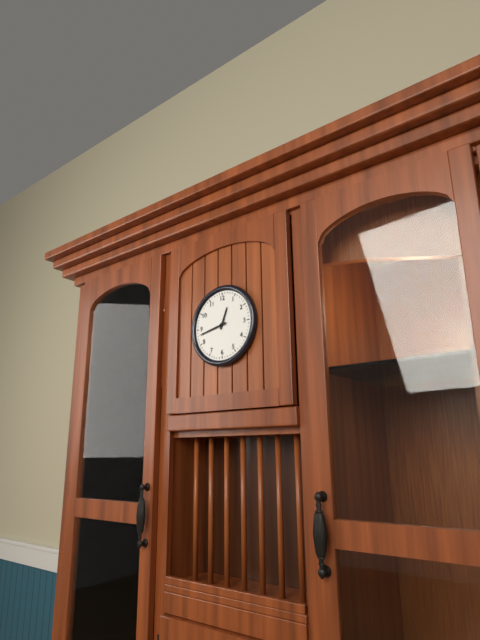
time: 12:43
